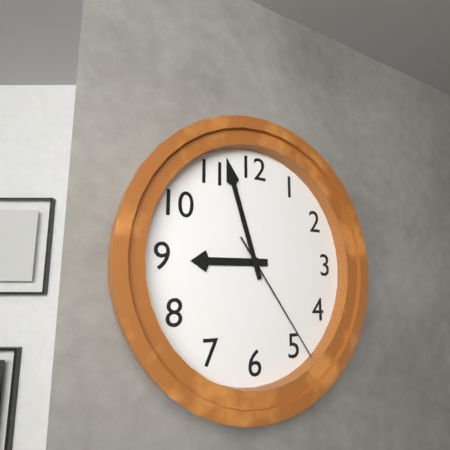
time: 8:57:24
